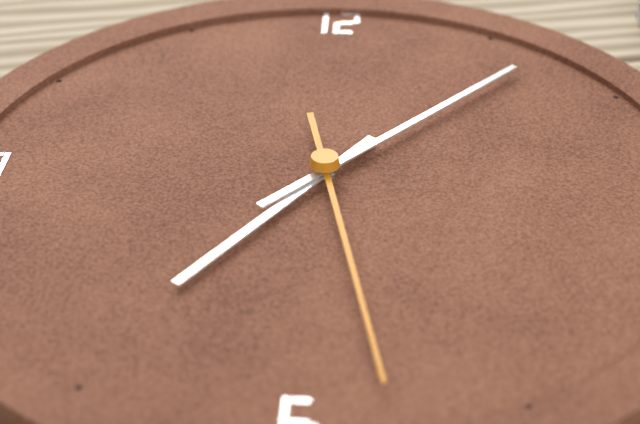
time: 7:07:28
